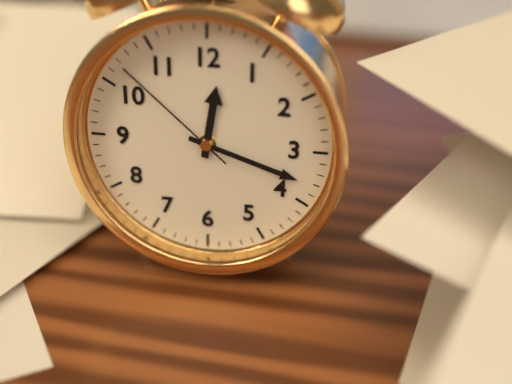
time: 12:18:52
